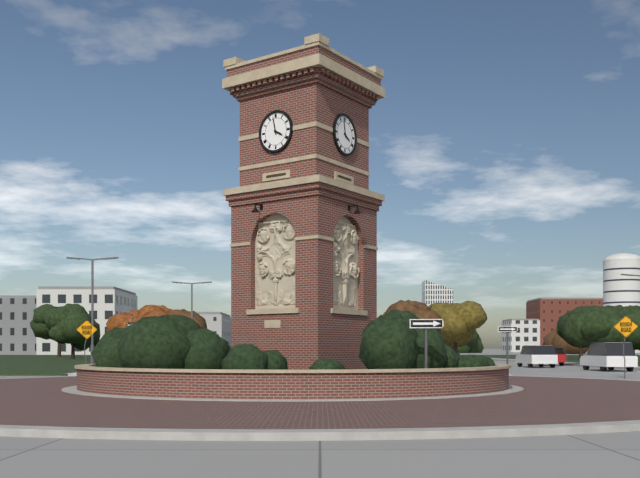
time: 3:58
